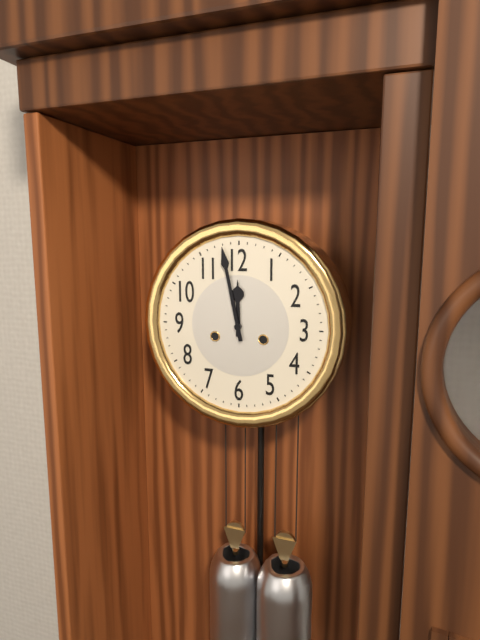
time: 11:58
